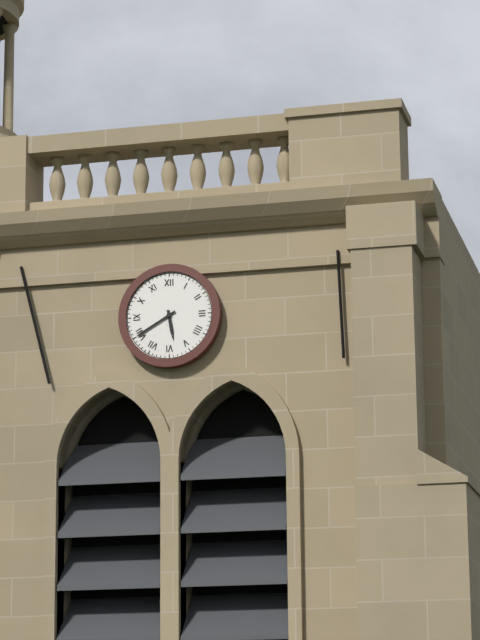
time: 5:40
